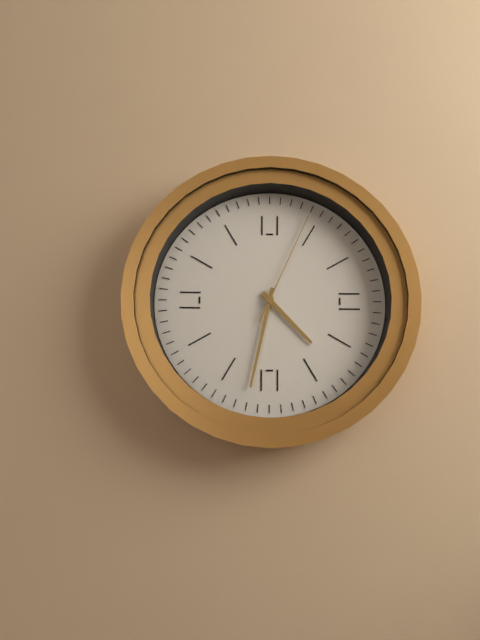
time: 4:32:04
